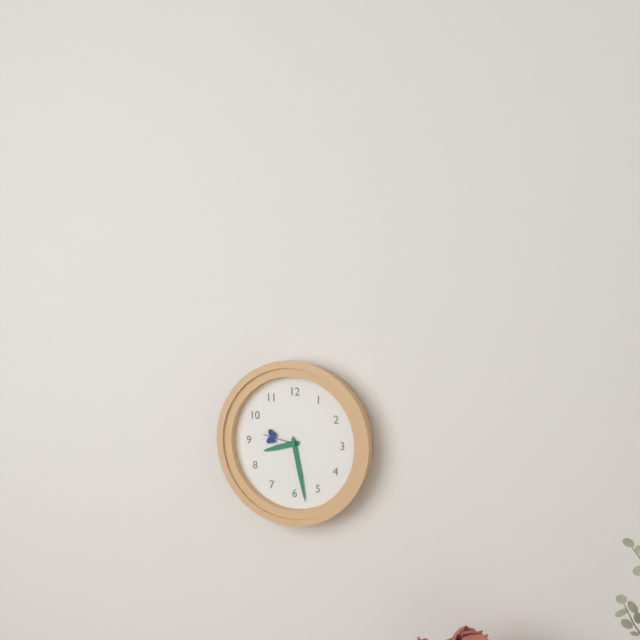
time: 8:28
